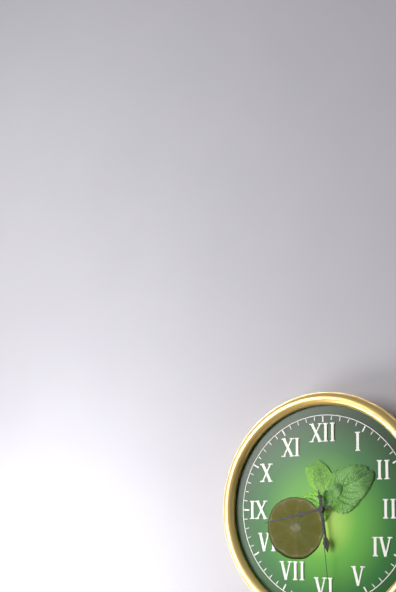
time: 5:43
